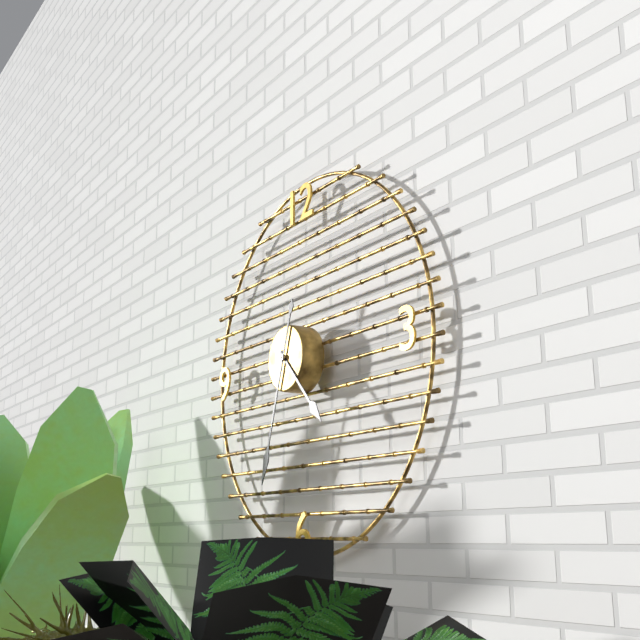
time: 4:33
